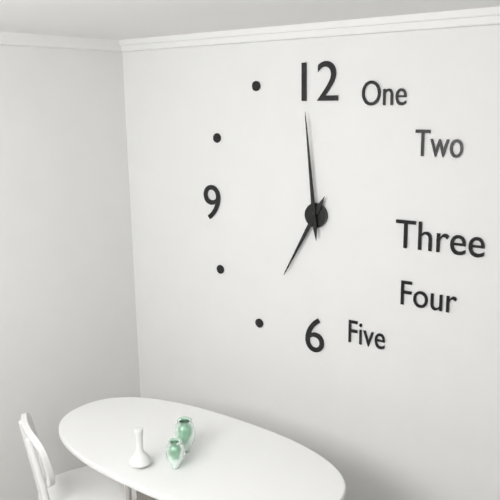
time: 6:59
